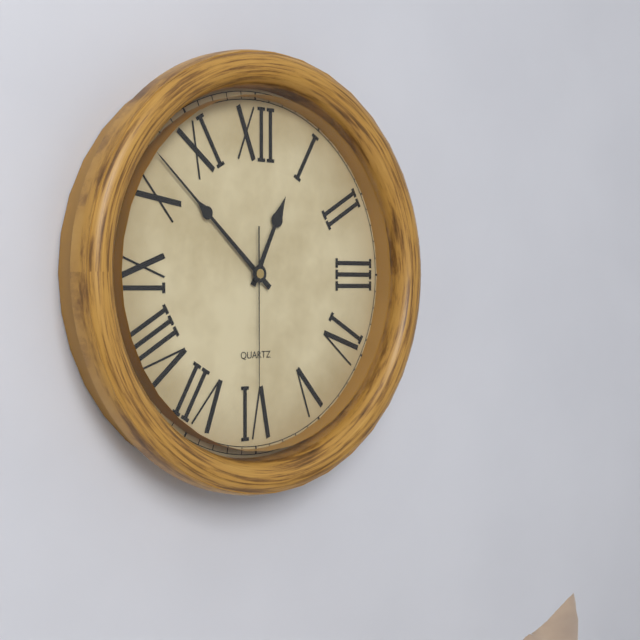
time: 12:52:30
